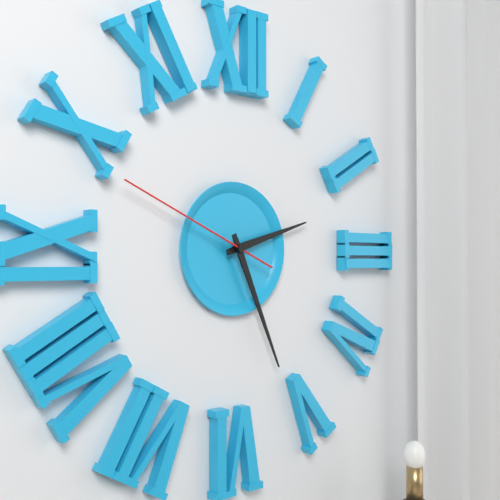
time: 2:26:49
